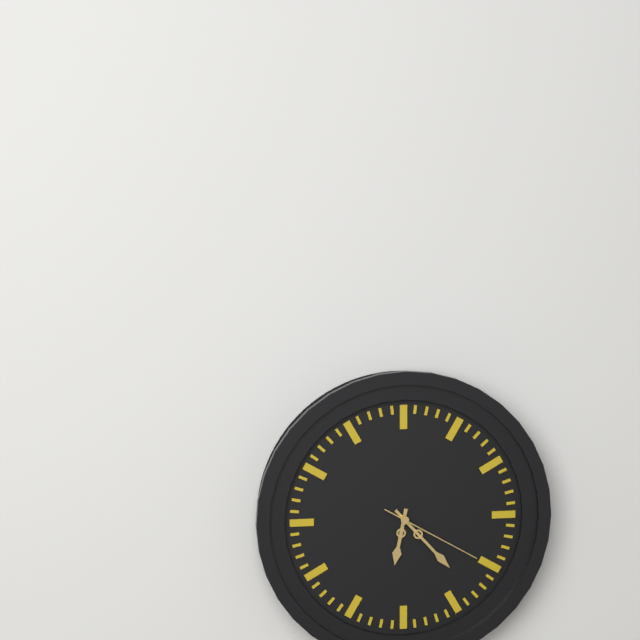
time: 6:23:20
